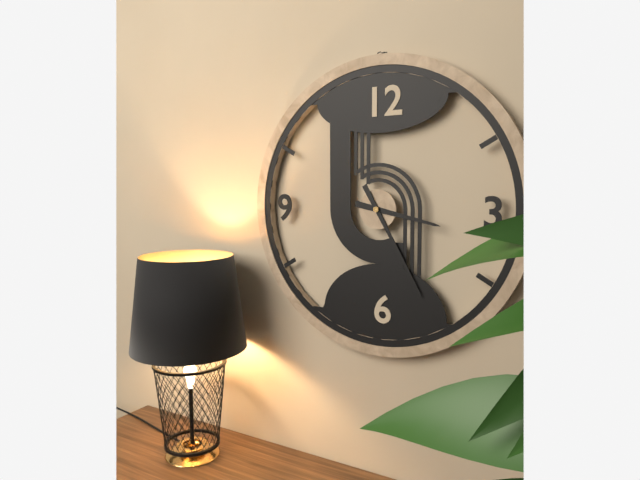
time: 3:25
